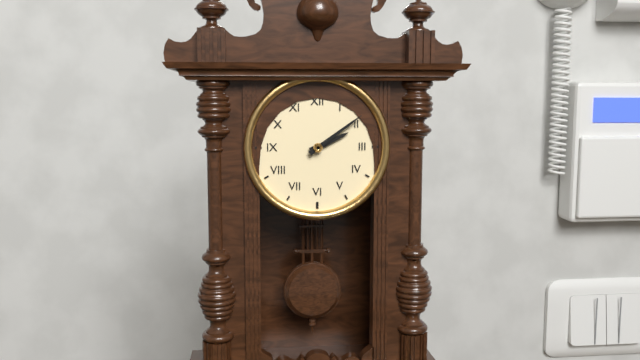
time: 2:09
